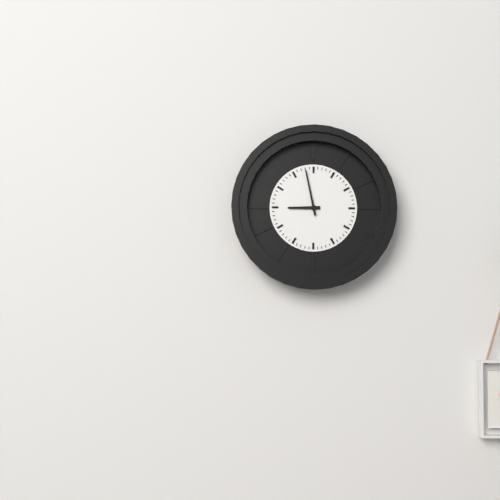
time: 8:58
